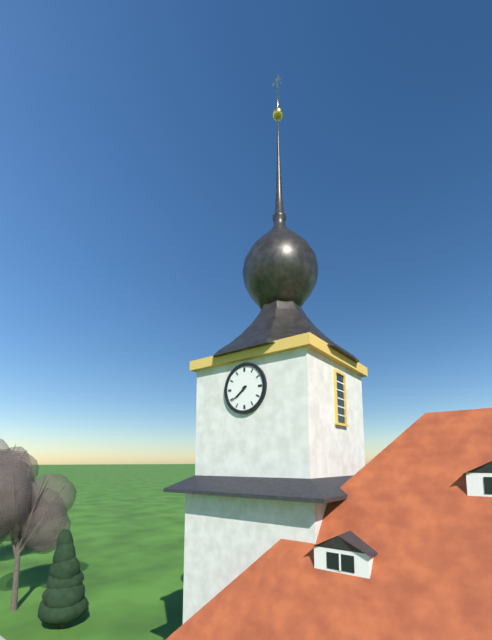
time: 7:39
